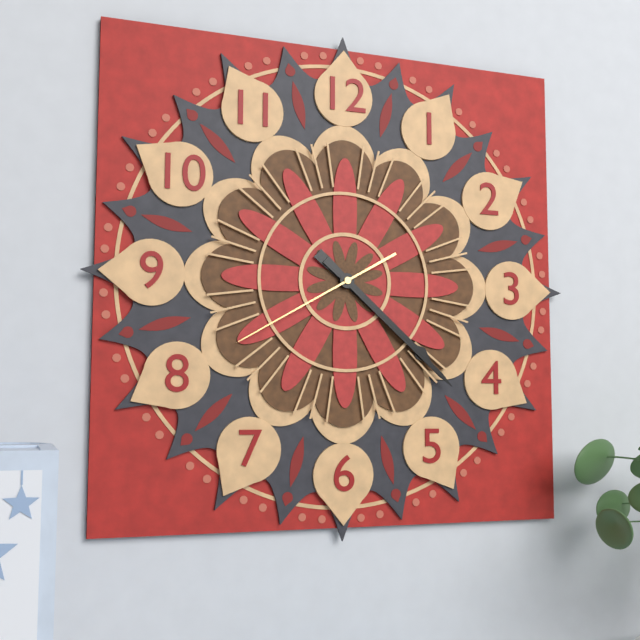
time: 4:22:40
